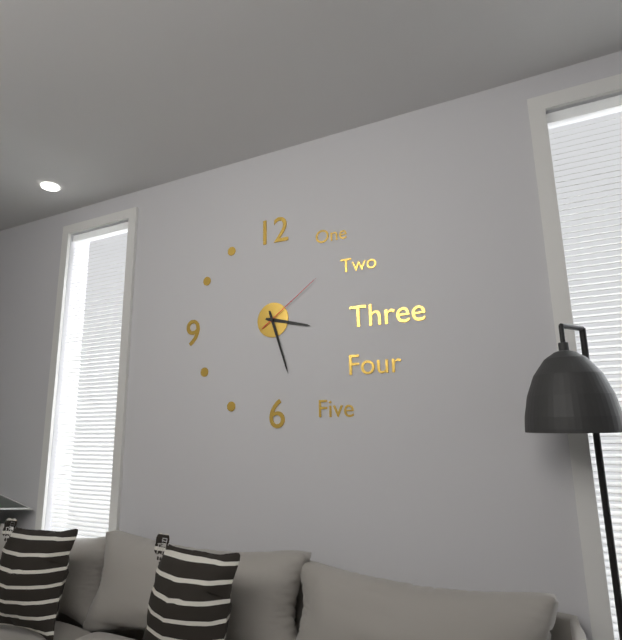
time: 3:27:09
